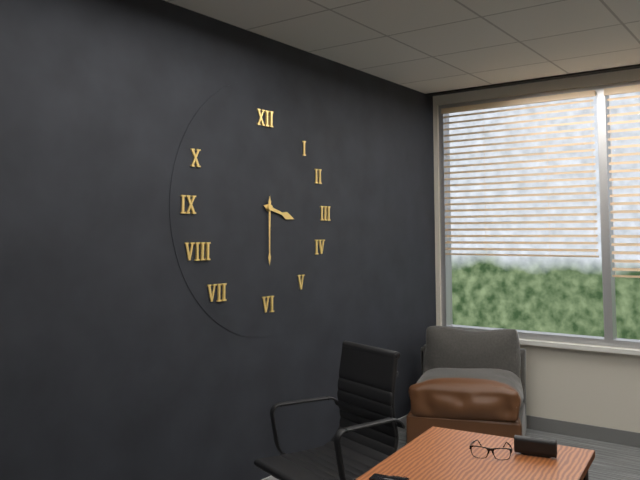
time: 3:30
